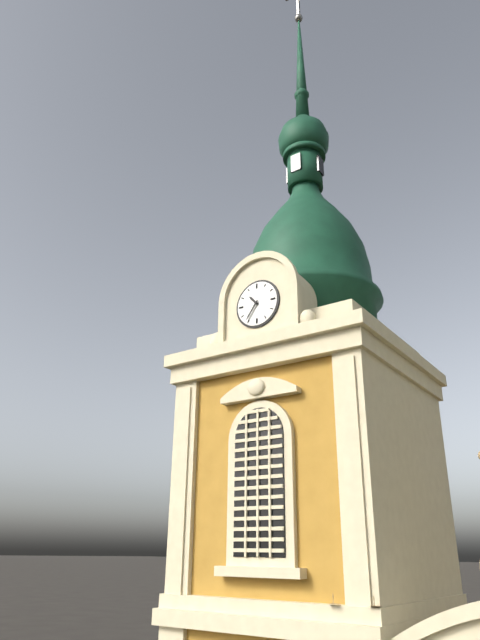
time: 10:36
